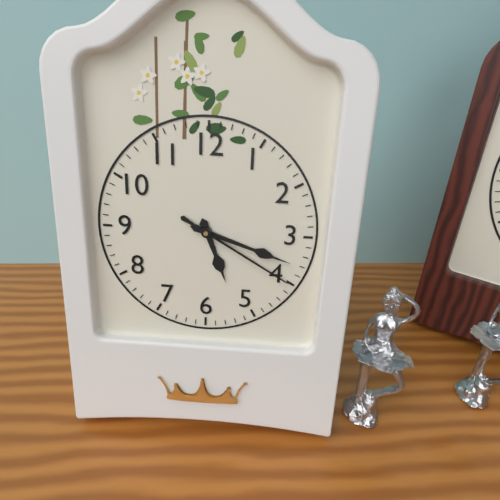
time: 5:18:20
